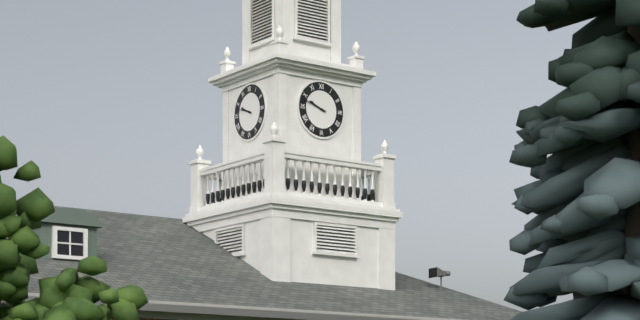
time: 9:48
